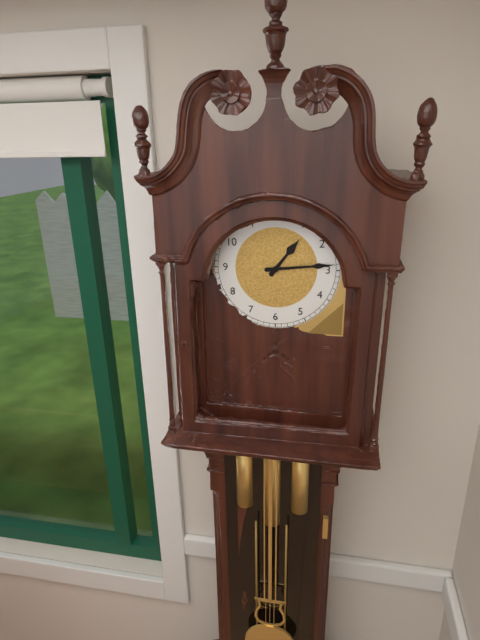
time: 1:14
